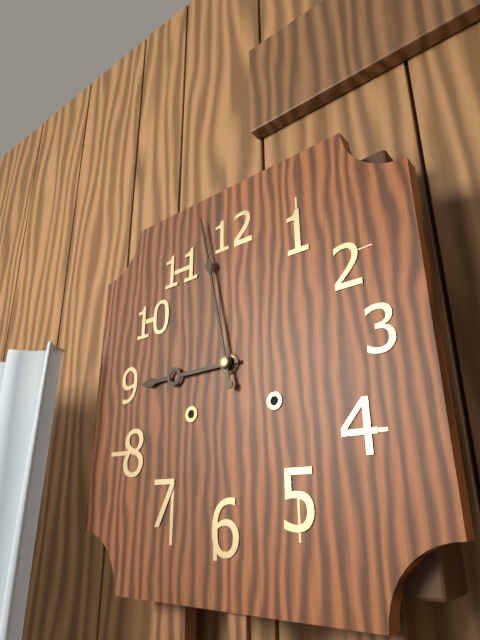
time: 8:58
